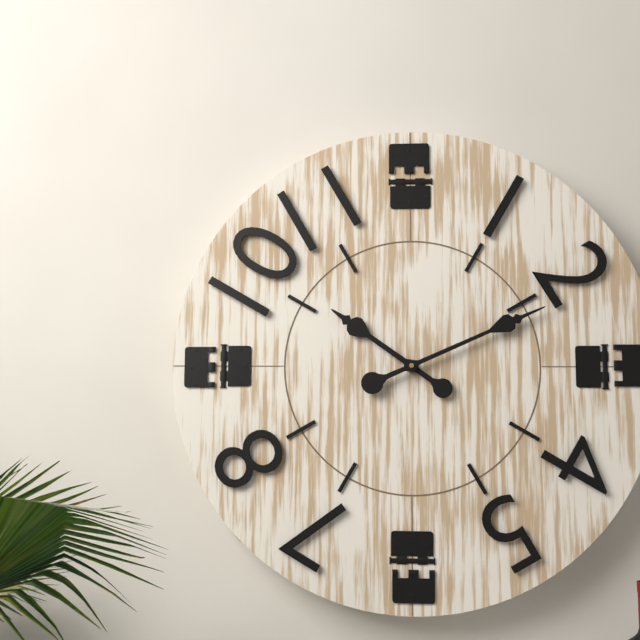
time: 10:11
